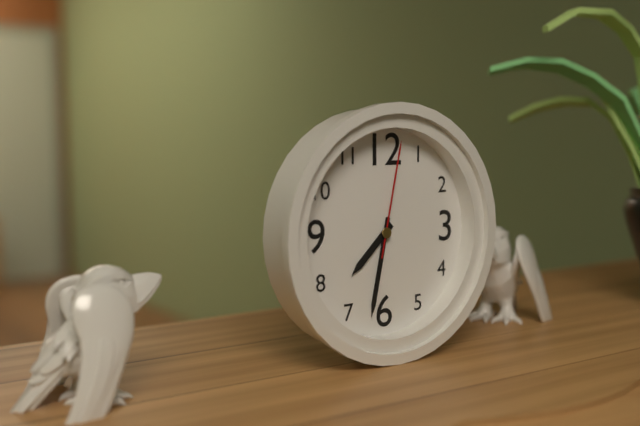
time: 7:32:02
